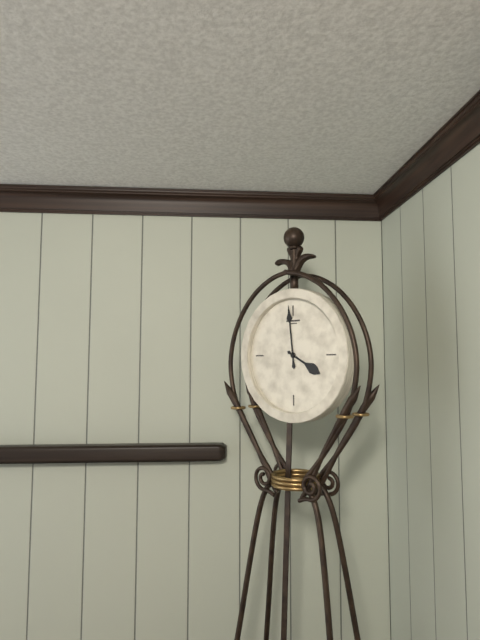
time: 3:59
